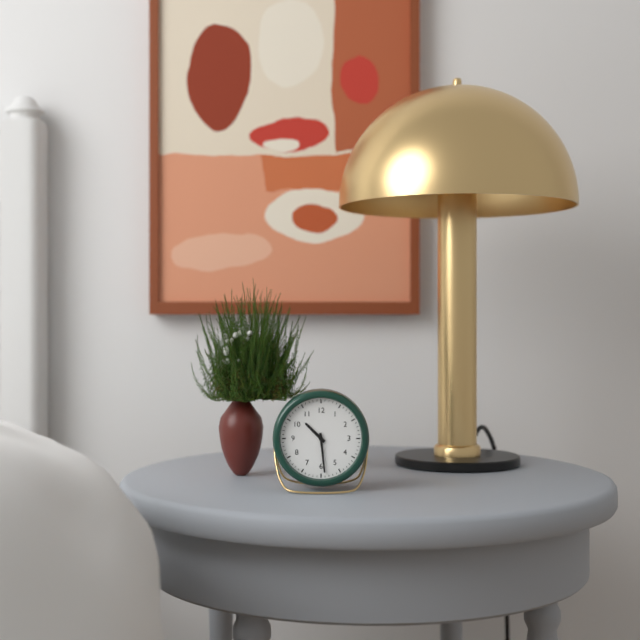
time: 10:29
